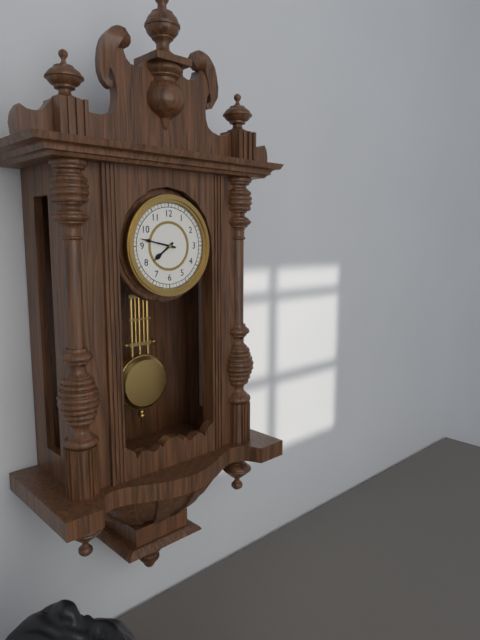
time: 7:47
